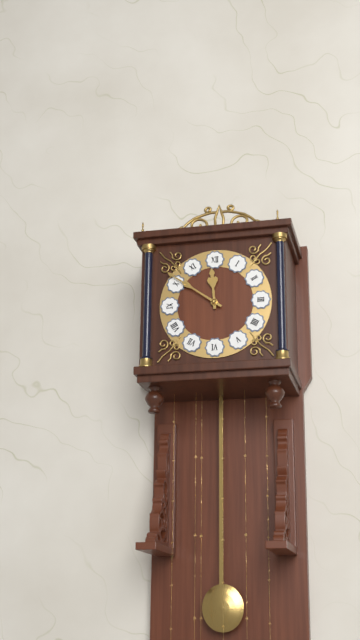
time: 11:51
